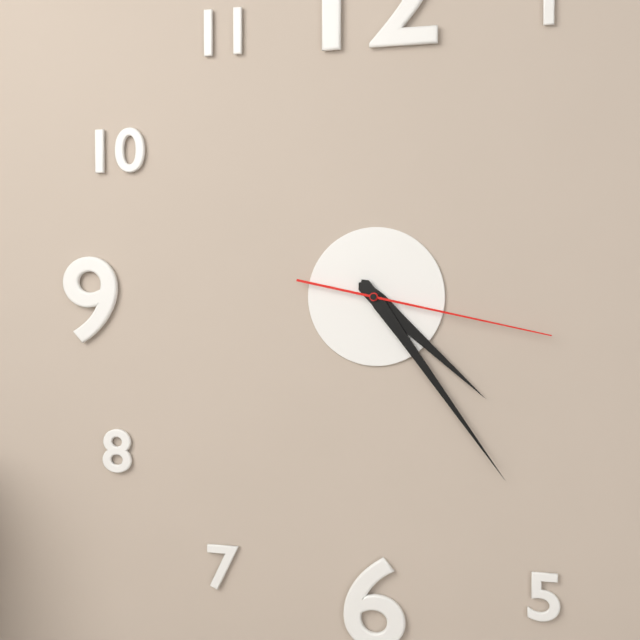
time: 4:24:17
